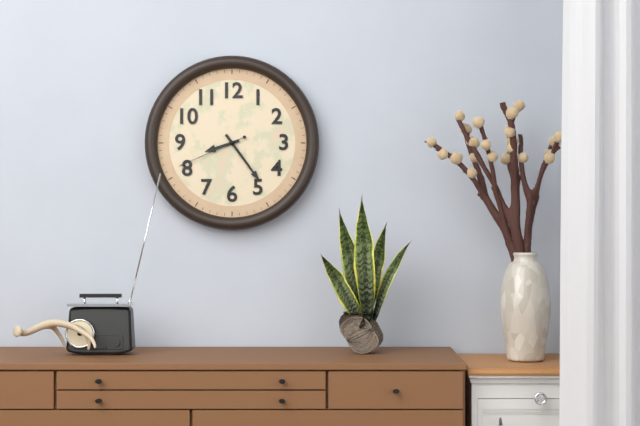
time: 8:24:41
